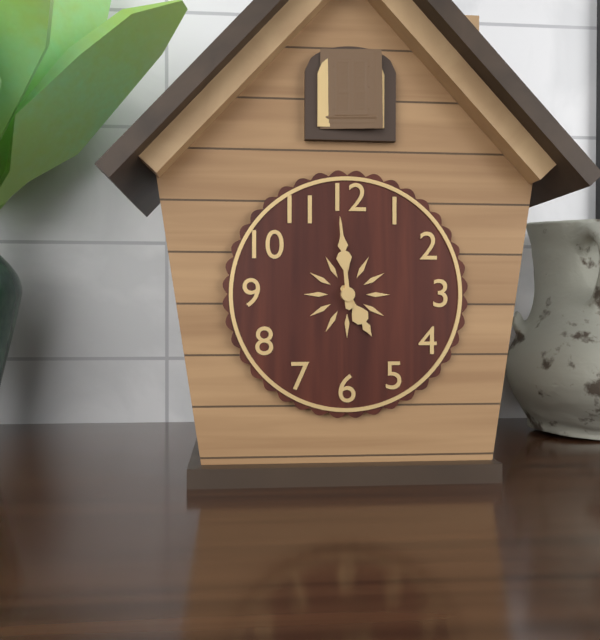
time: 4:59
